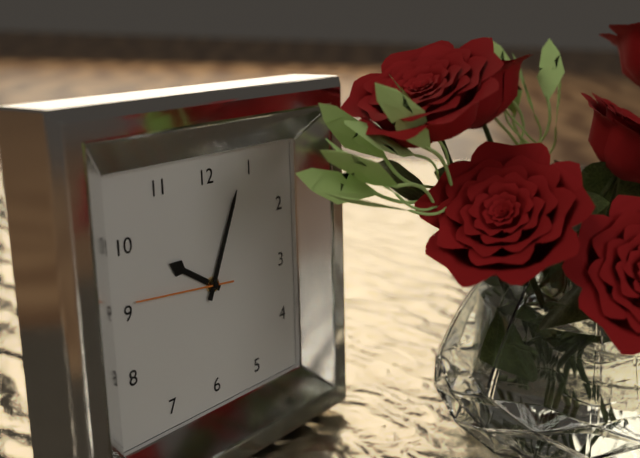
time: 10:04:46
